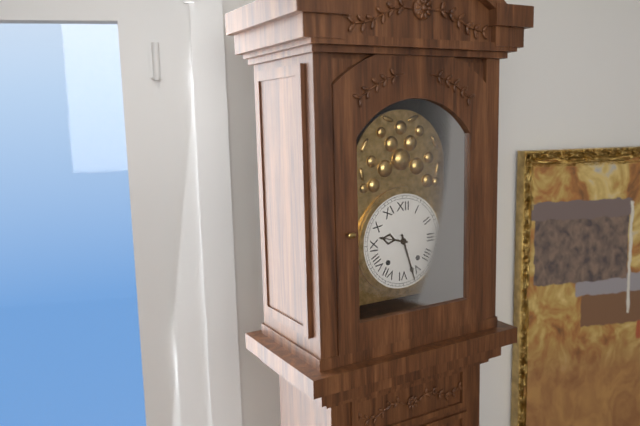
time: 9:27
